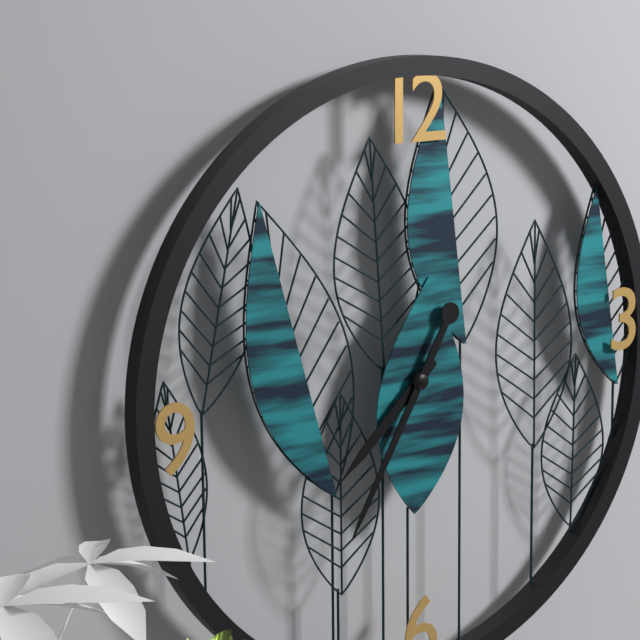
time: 7:35
